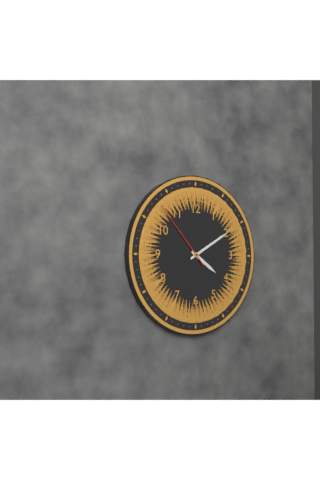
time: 4:10:53
